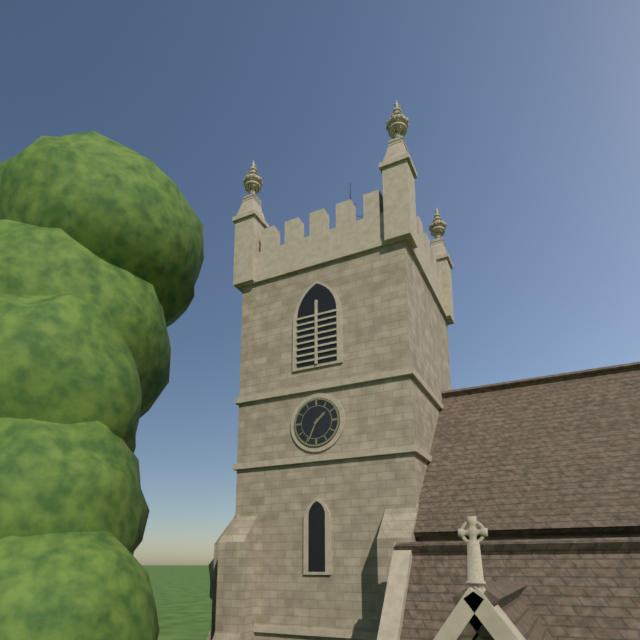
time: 1:34
